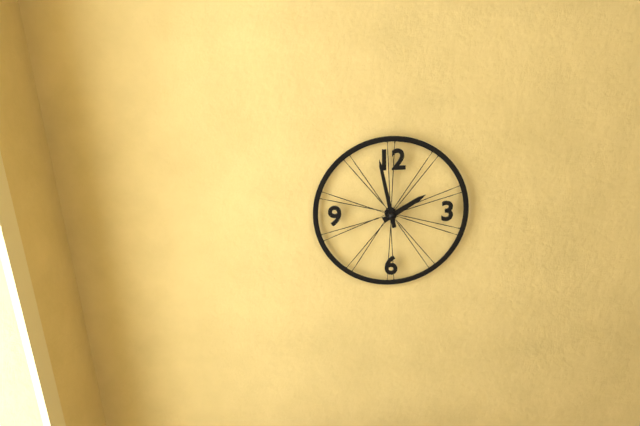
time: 1:58
